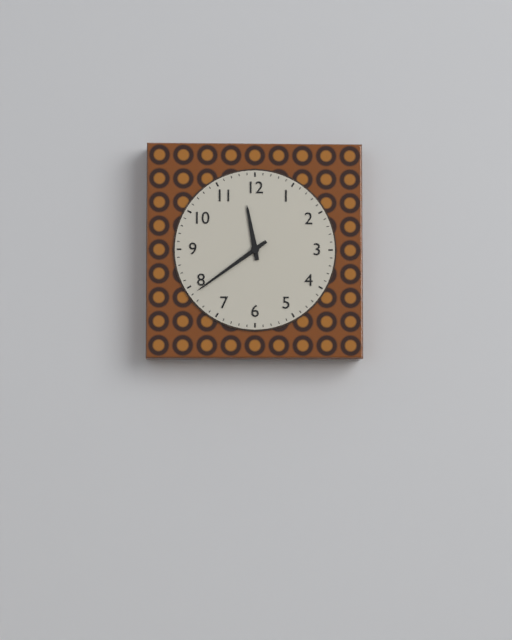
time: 11:39
